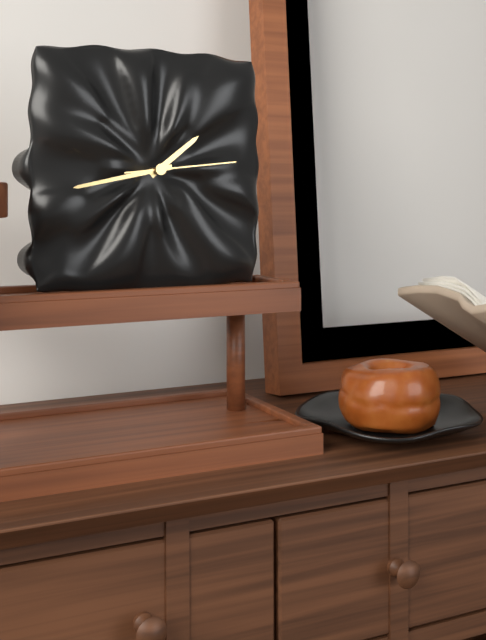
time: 1:43:14
